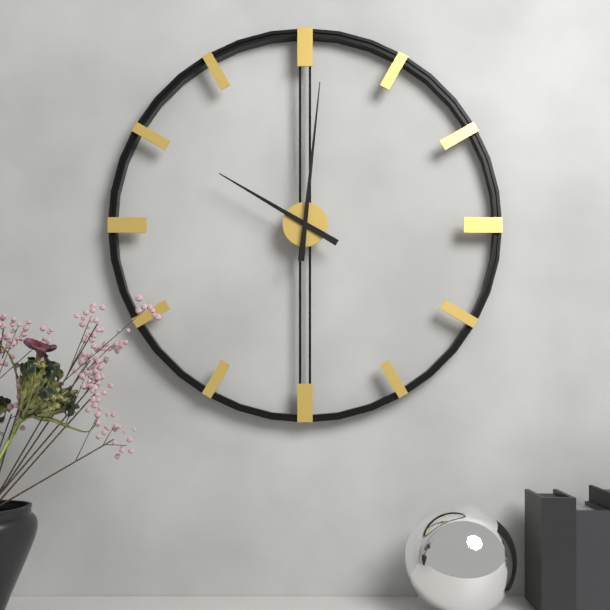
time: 10:01
